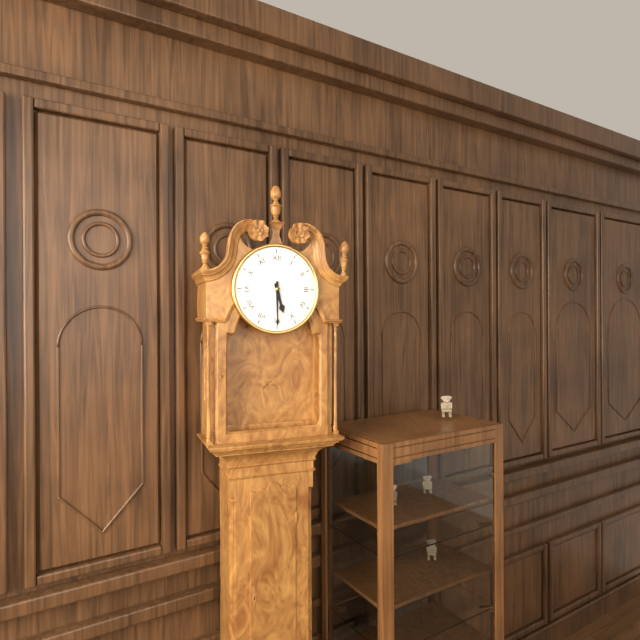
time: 5:30
